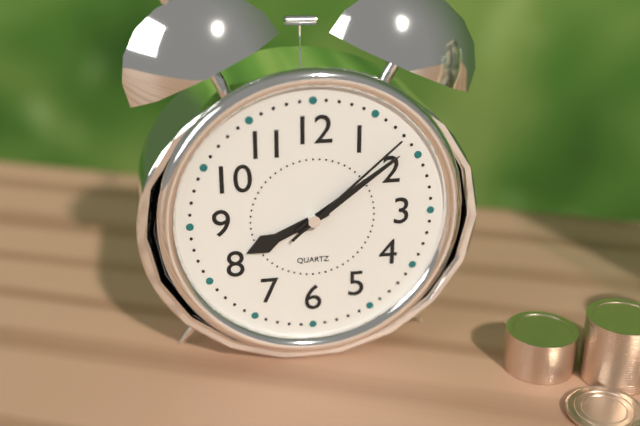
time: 8:09:08
